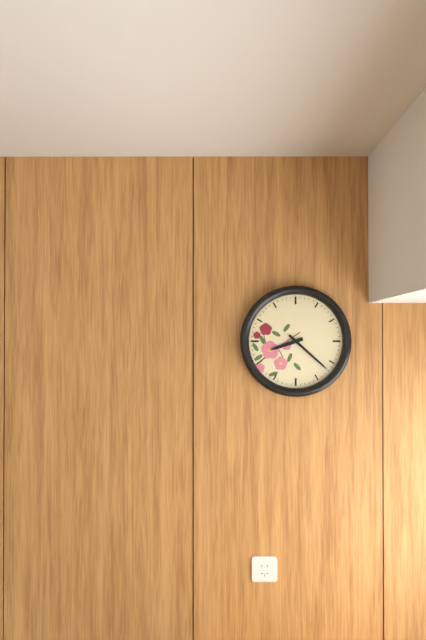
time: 8:22
